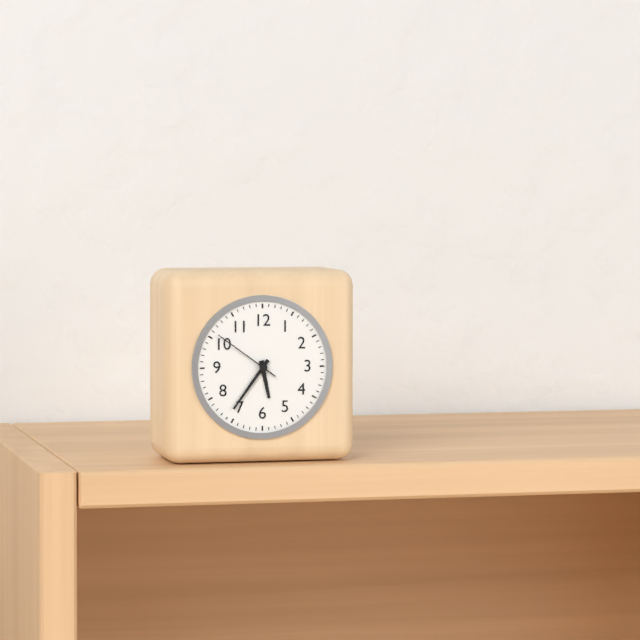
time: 5:36:51
